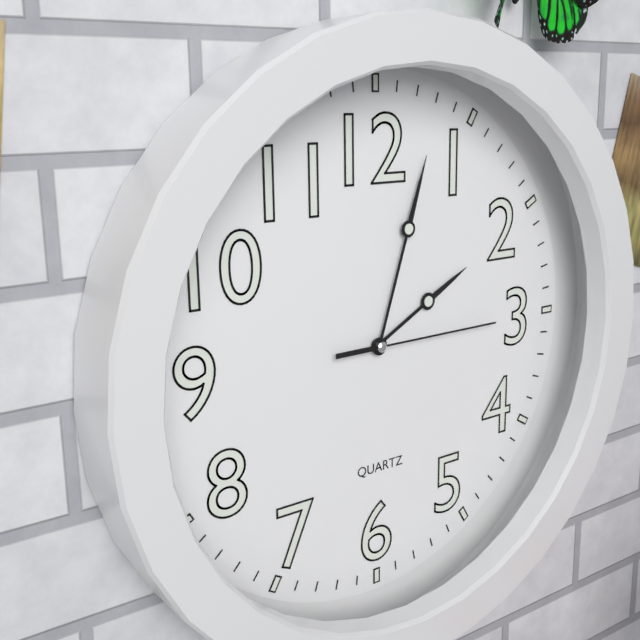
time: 2:03:15
